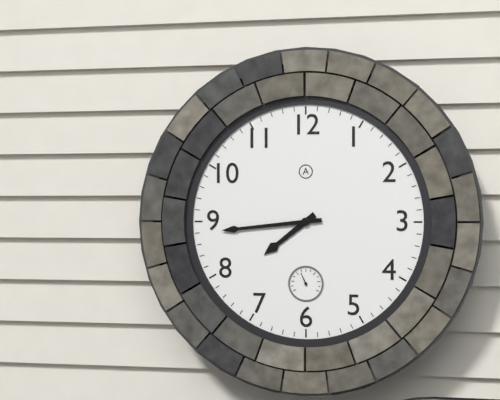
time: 7:44
